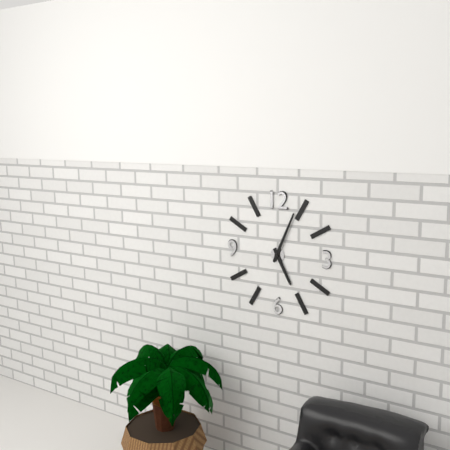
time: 5:04
